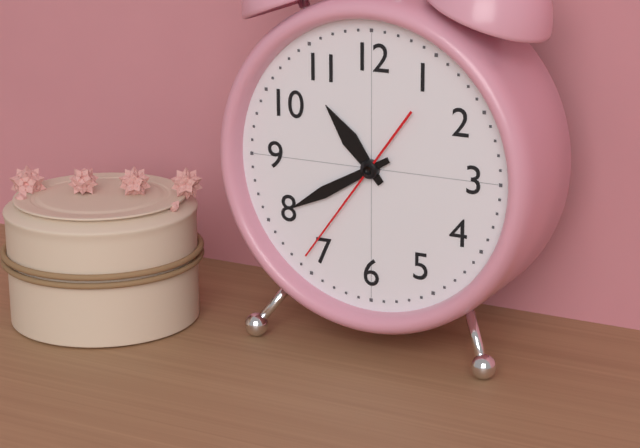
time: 10:40:36
